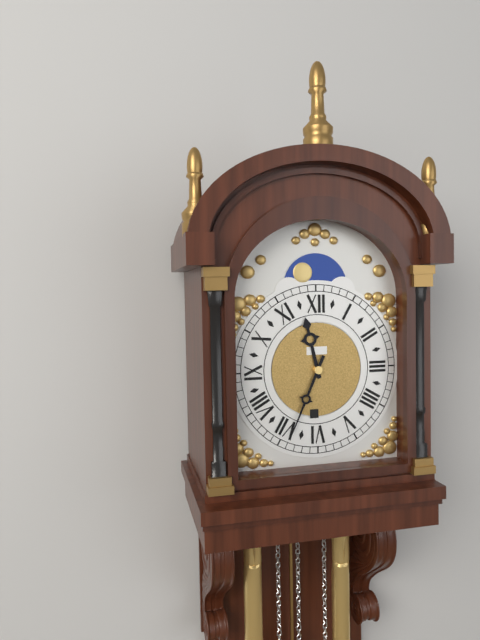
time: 11:34
